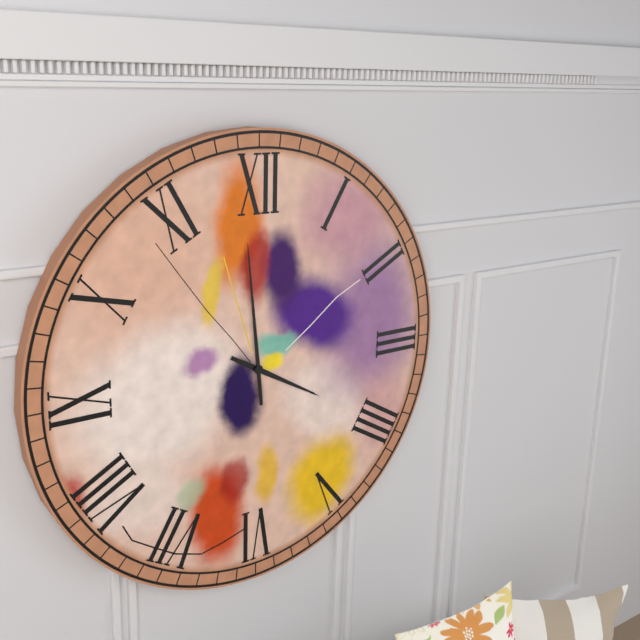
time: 3:59
